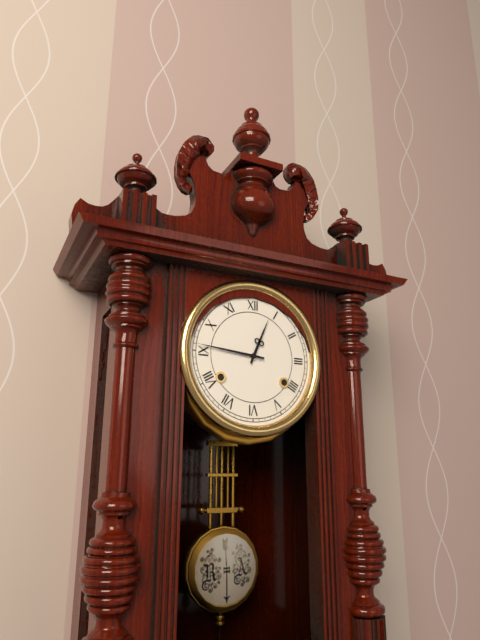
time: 12:46
